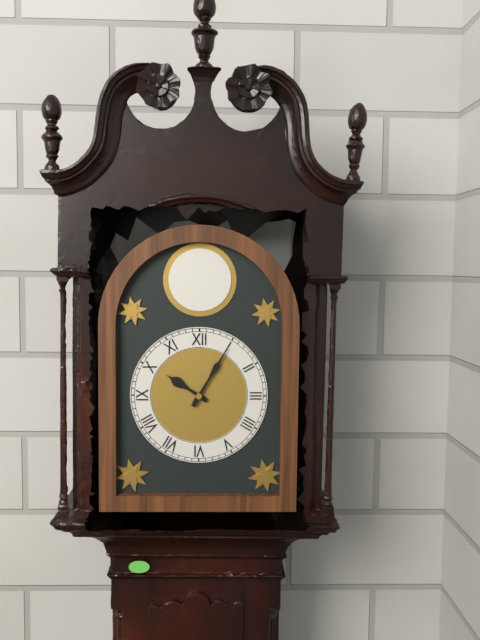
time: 10:05
